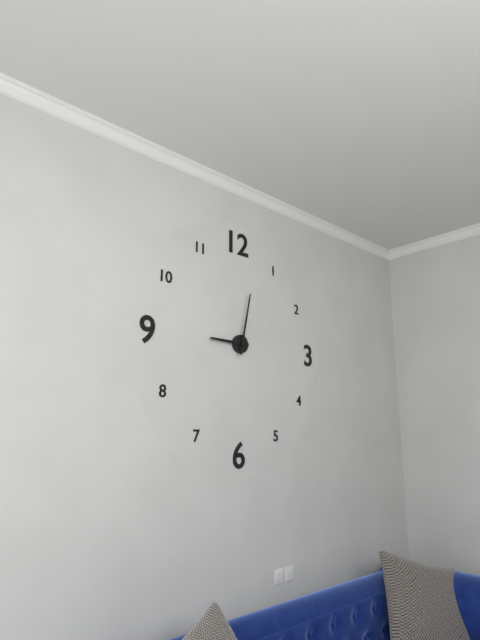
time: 9:02
